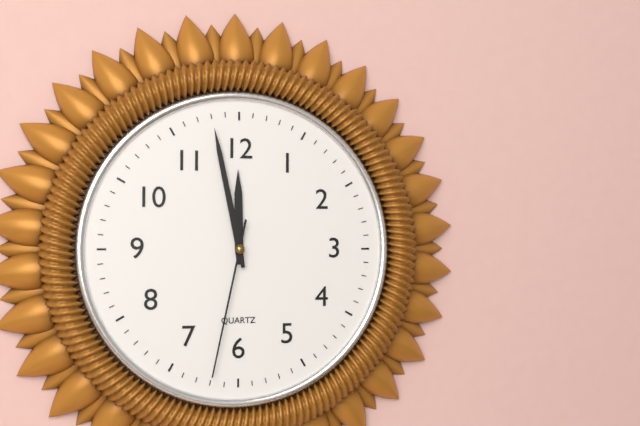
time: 11:58:32
